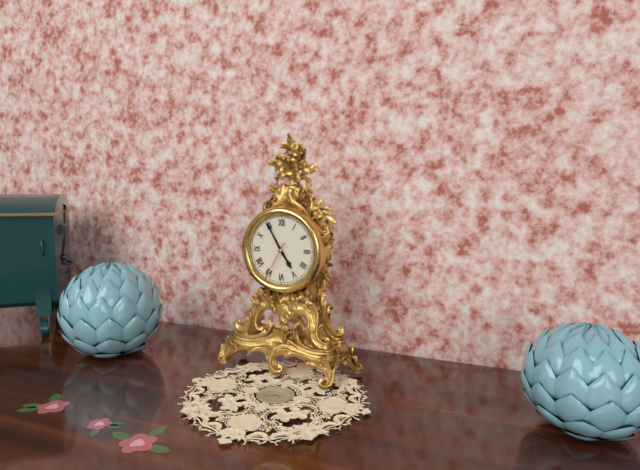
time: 4:55
